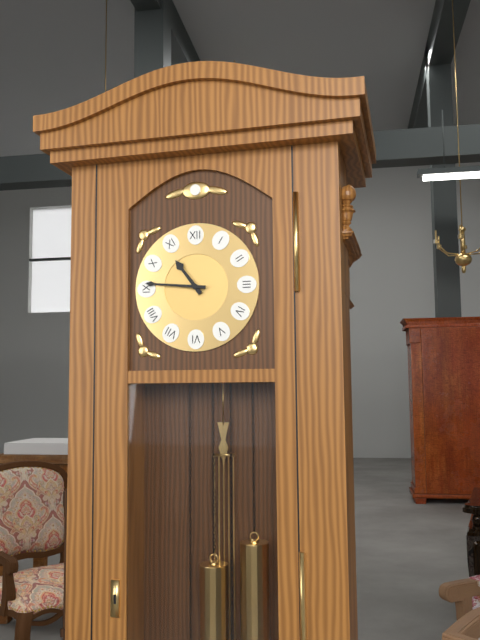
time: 10:46
